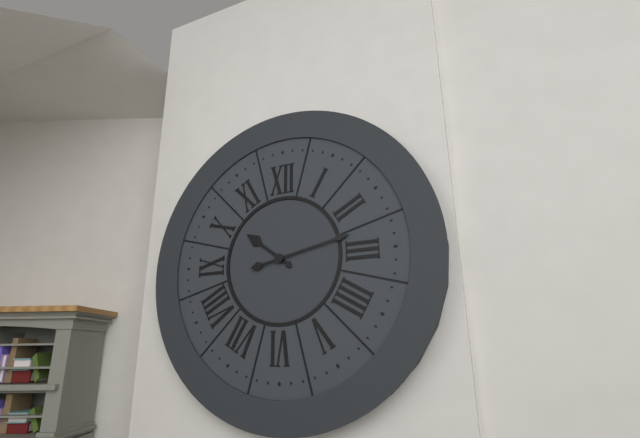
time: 10:13
